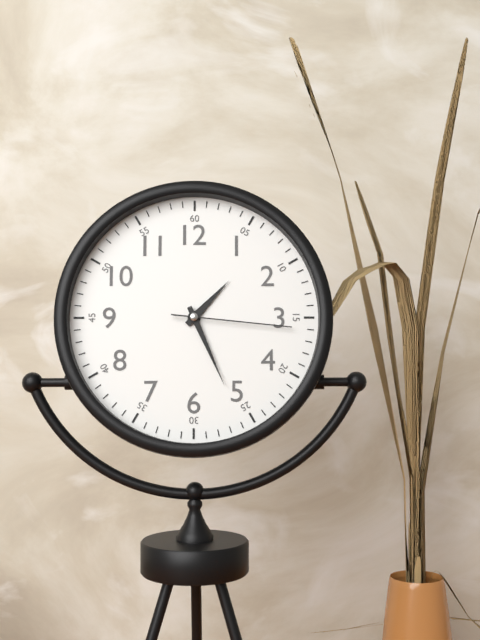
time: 1:26:16
